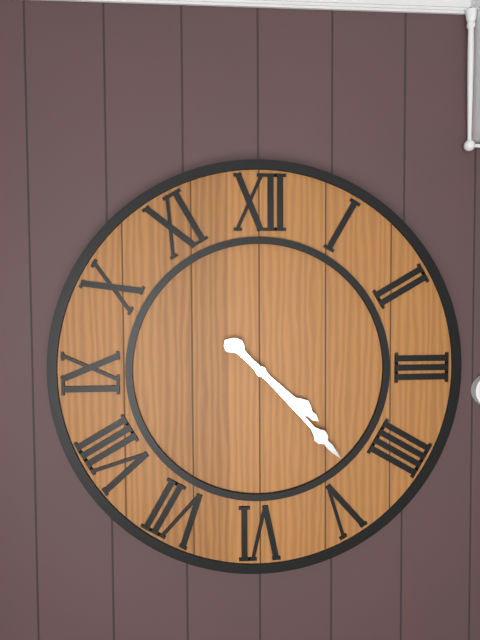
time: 4:23
